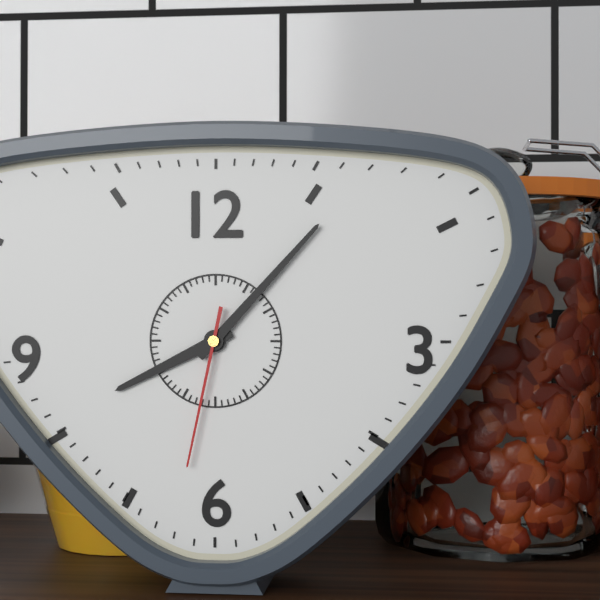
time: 8:07:32
